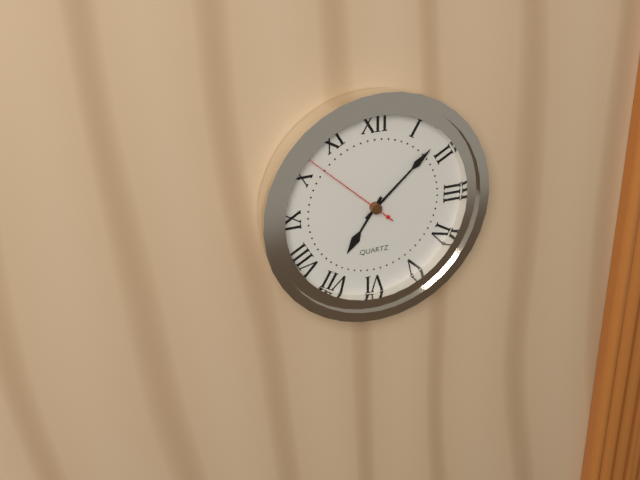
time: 7:08:52
